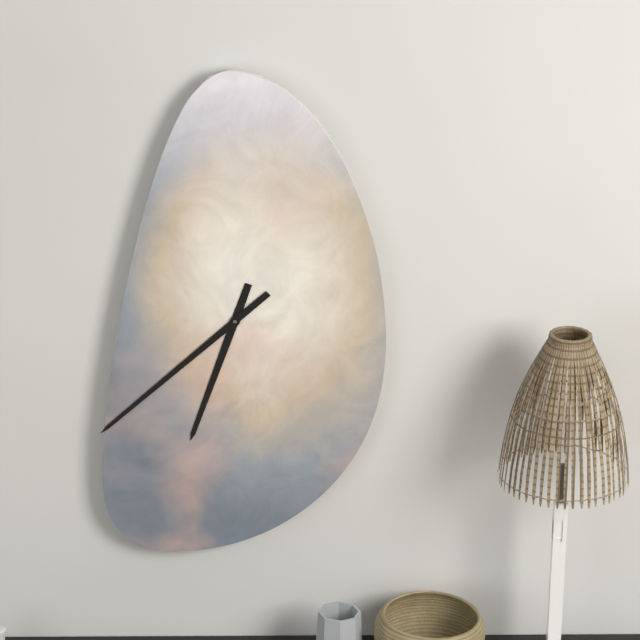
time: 6:38
